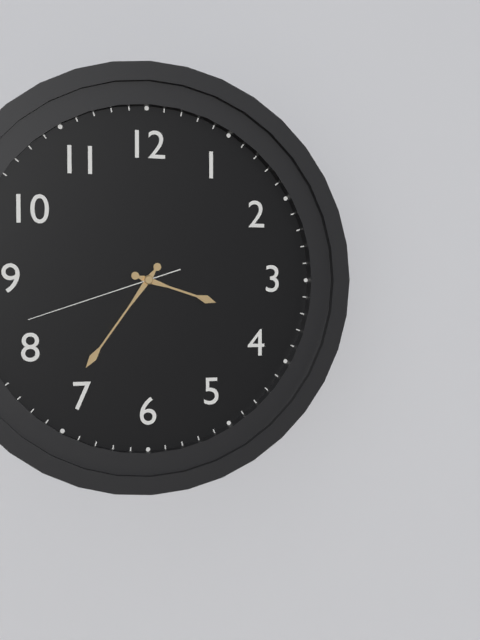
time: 3:36:42
